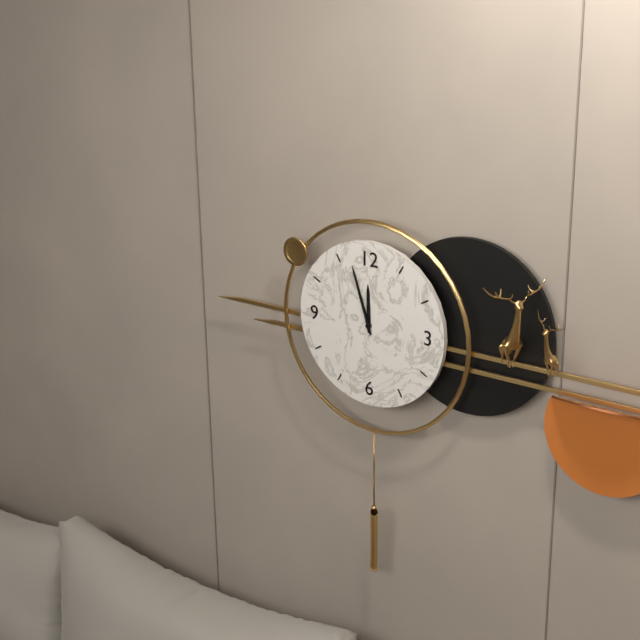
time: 11:57
